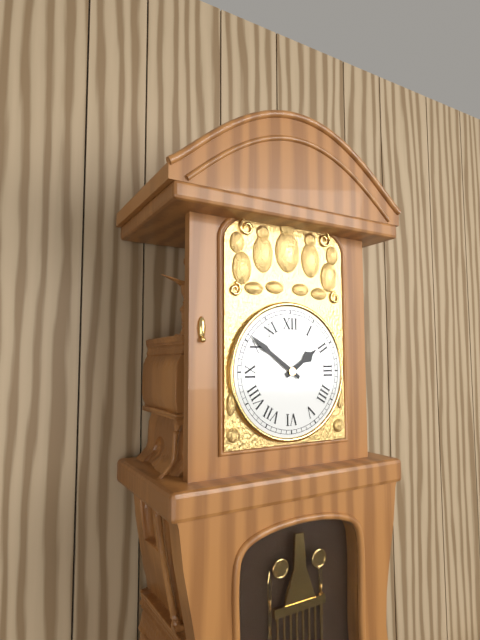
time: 1:51
